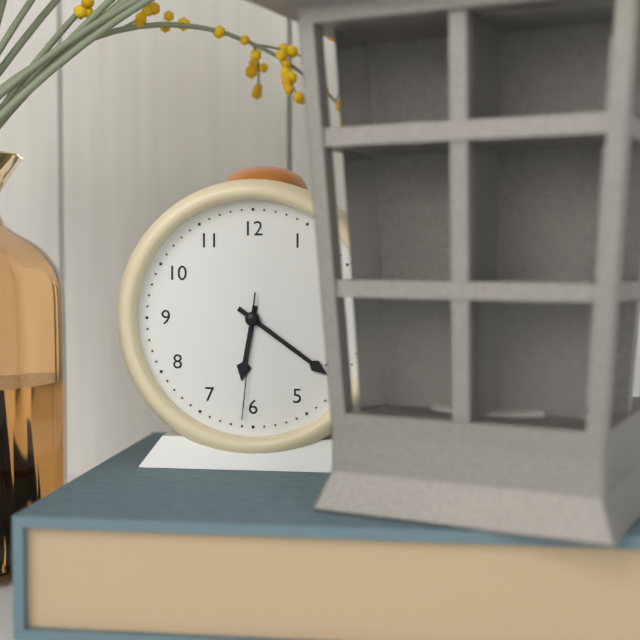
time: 6:21:31
